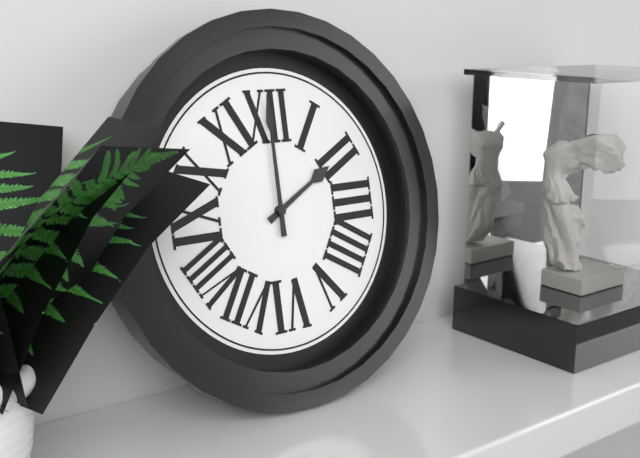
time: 2:00
